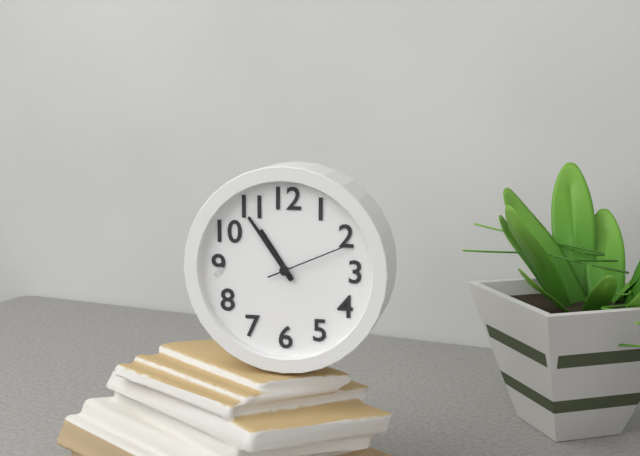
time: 10:54:11
